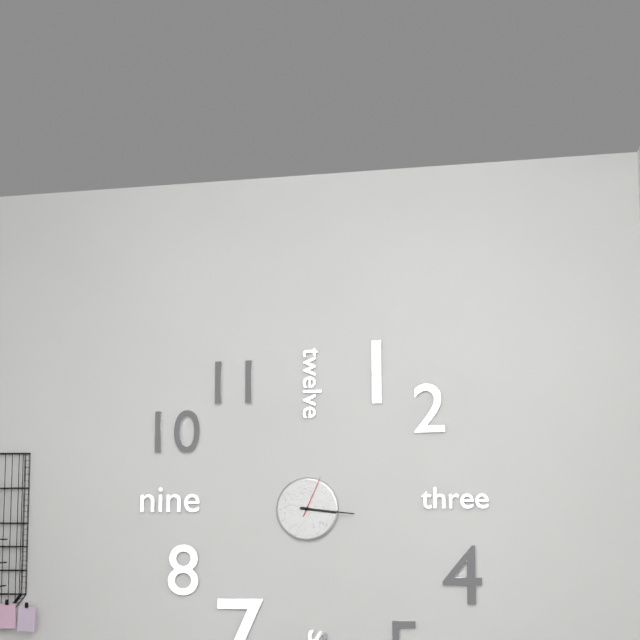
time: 3:16
